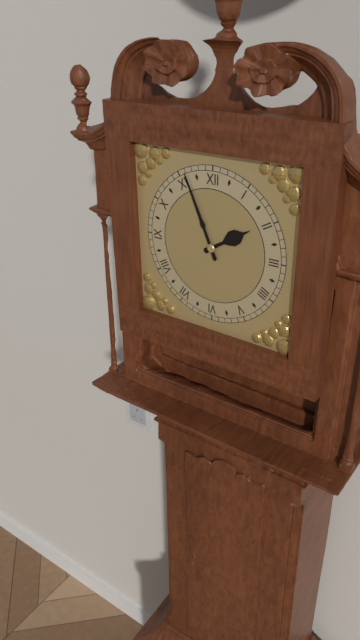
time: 1:56
